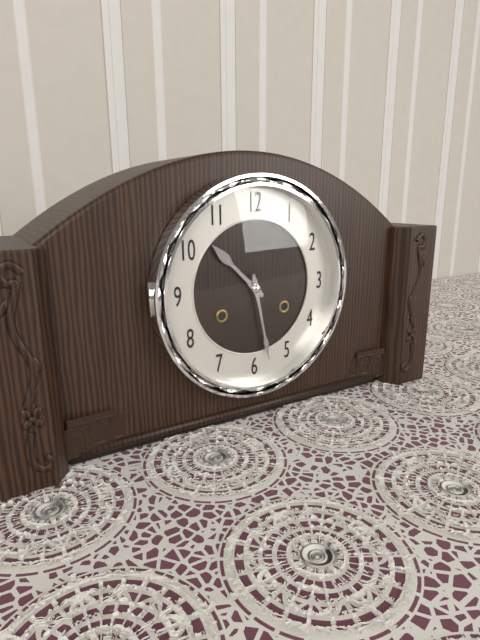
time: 10:28
